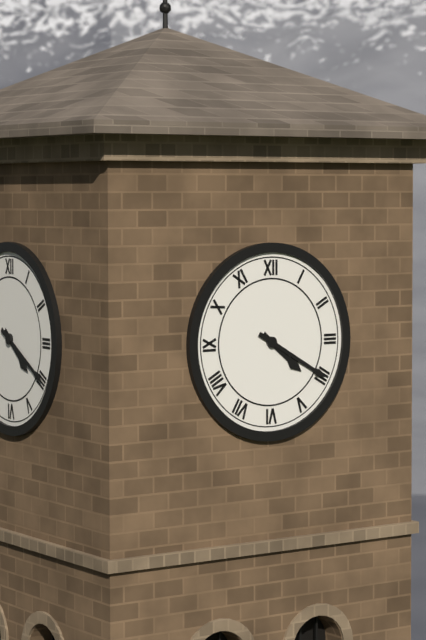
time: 4:20
